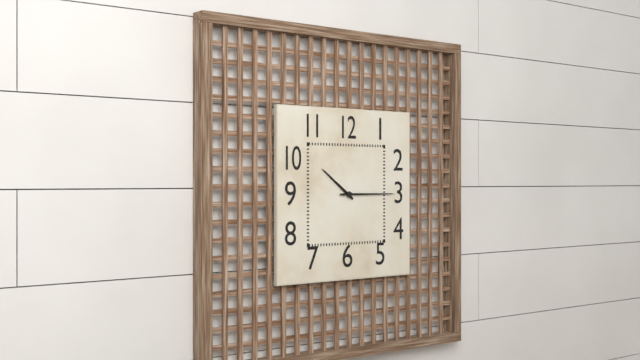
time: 10:15
